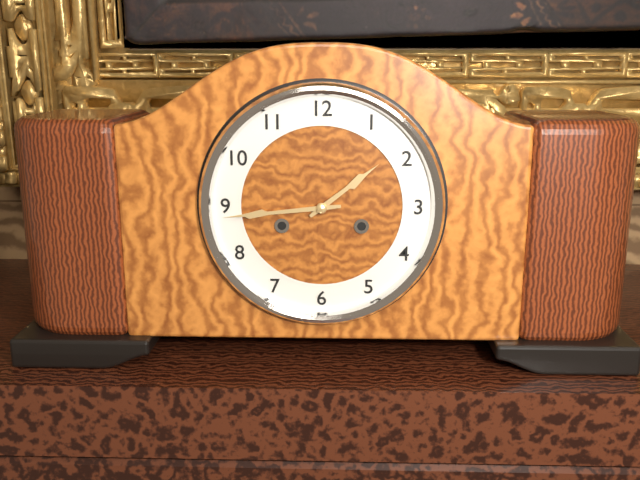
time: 1:44
